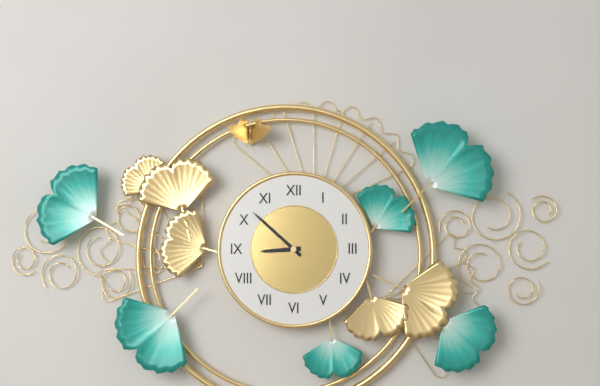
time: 8:52
